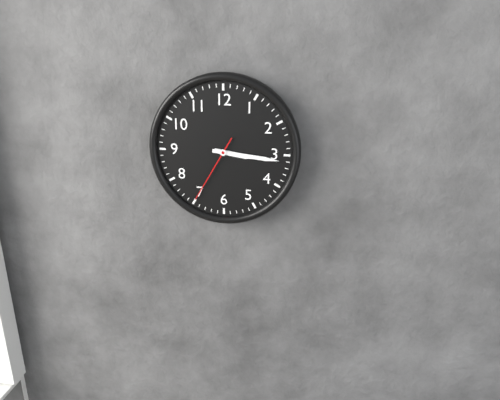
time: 3:16:35
